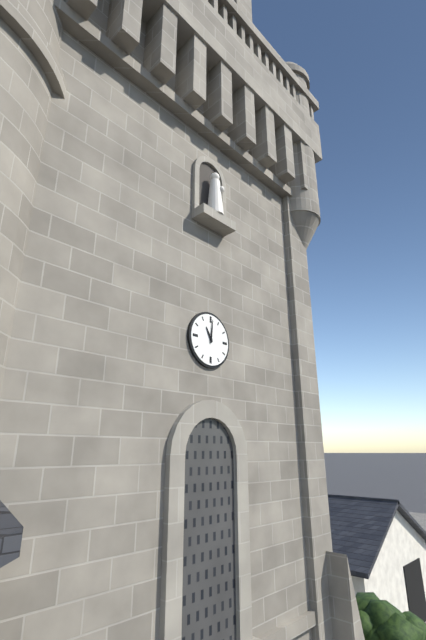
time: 11:01
